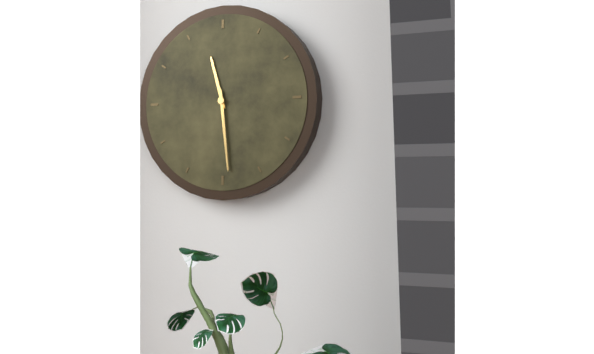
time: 11:29
